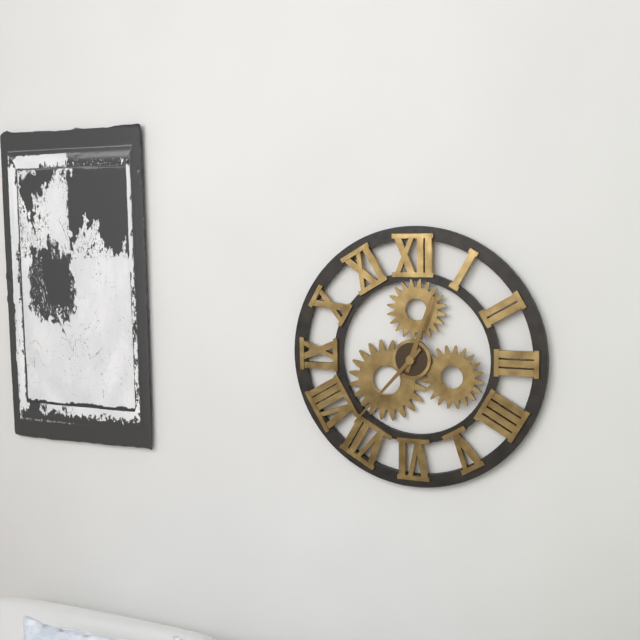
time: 12:37
